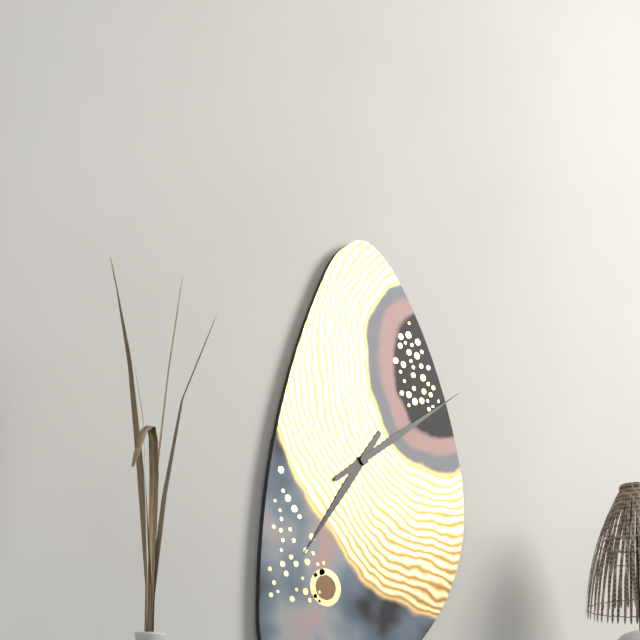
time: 7:09
